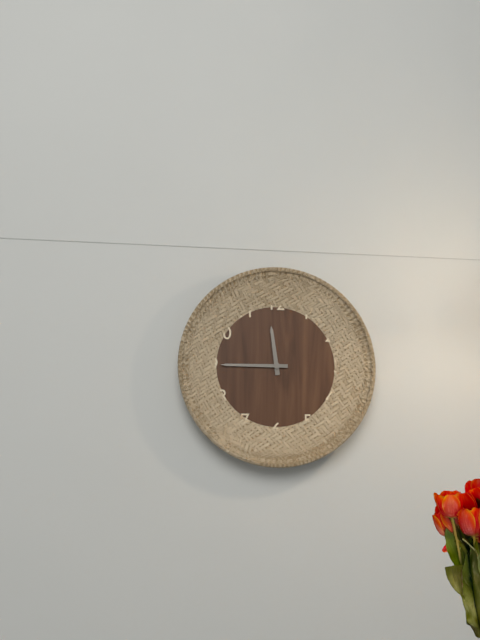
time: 11:45
